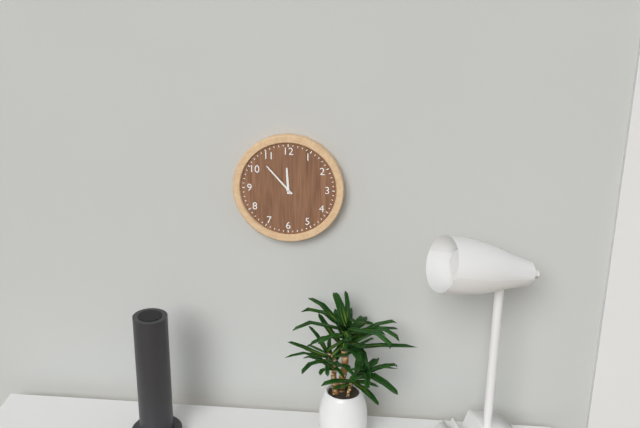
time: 11:53
